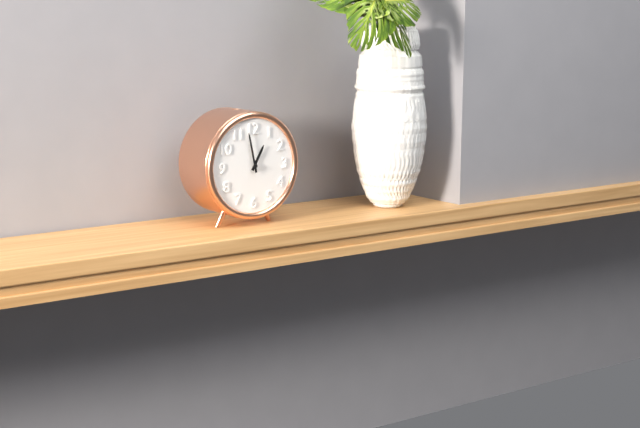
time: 12:58
